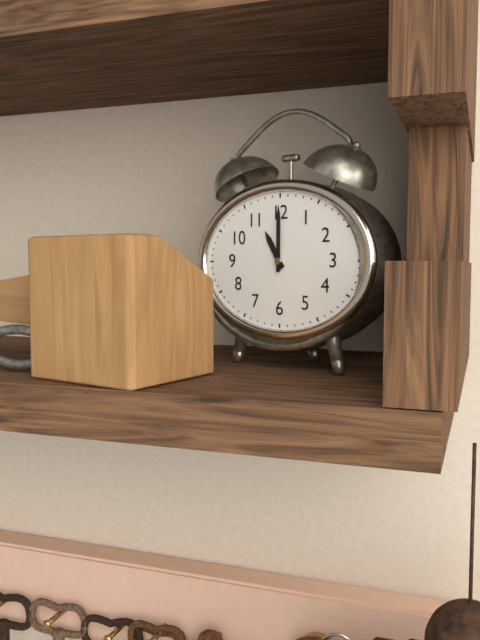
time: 11:00
